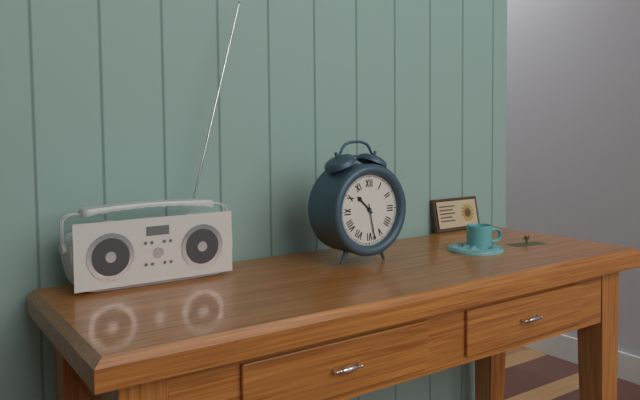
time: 10:28
